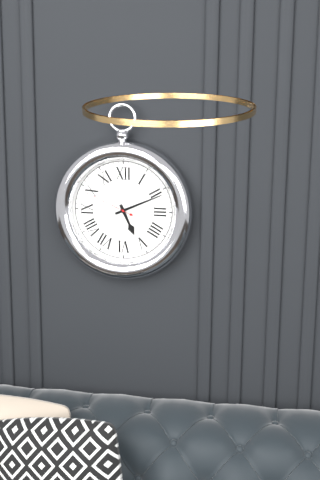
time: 5:11:49
